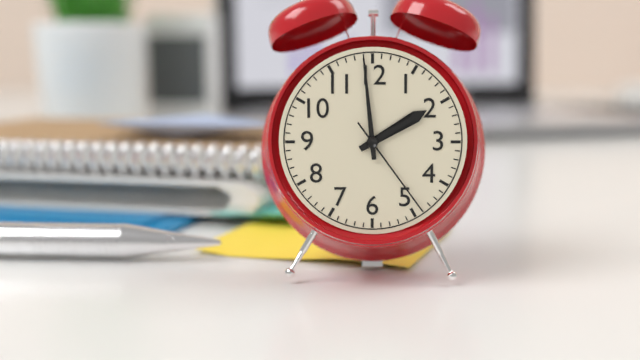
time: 1:59:24
